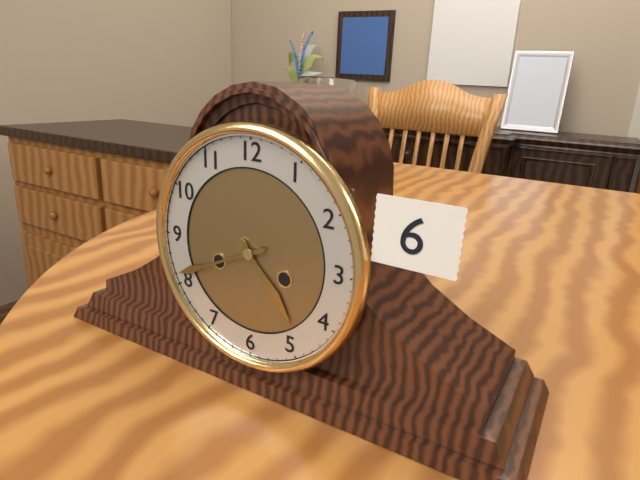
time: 4:41
